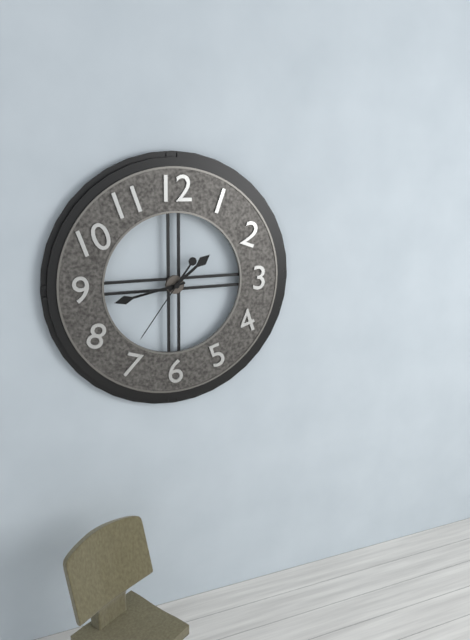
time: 1:43:36
